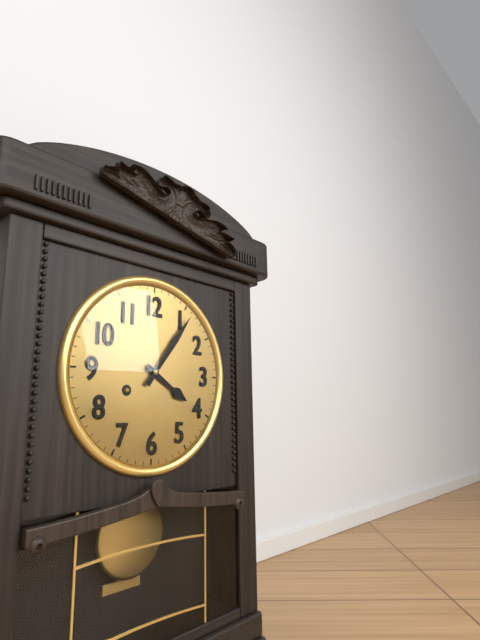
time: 4:06
